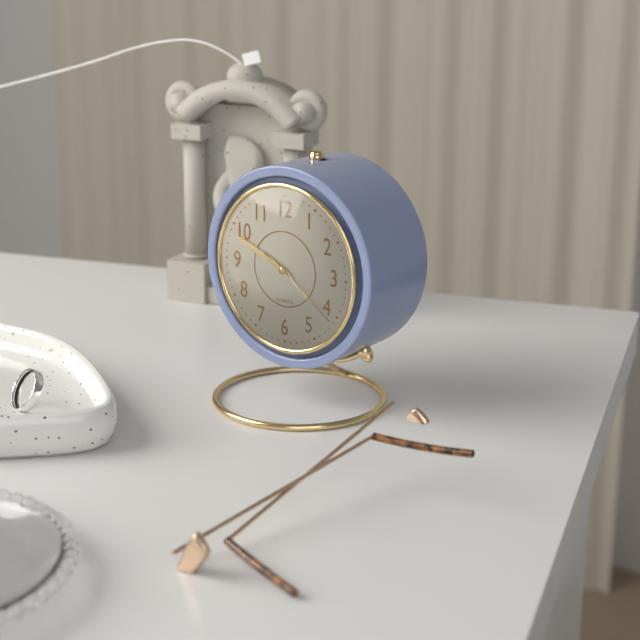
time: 9:49:21
